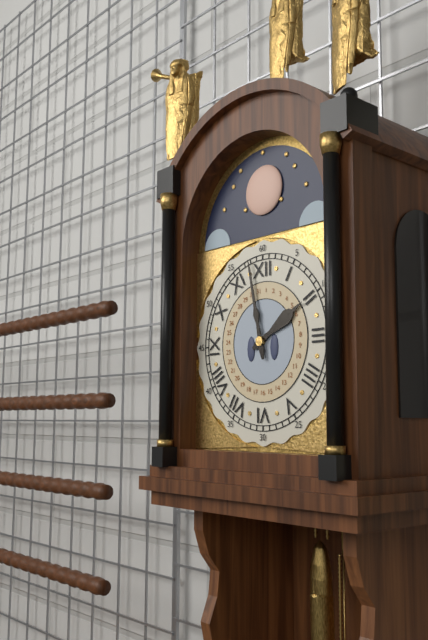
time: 1:58
